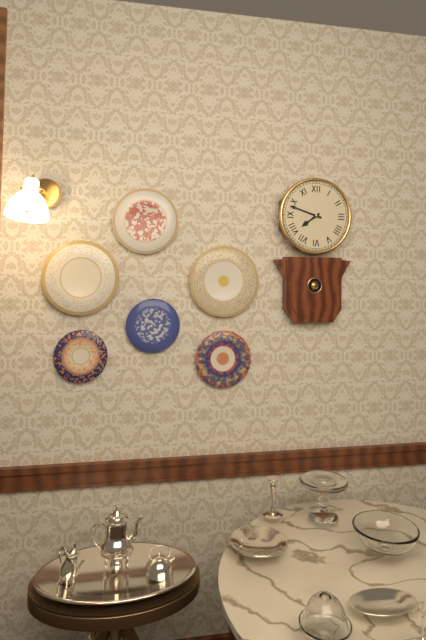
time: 7:48
